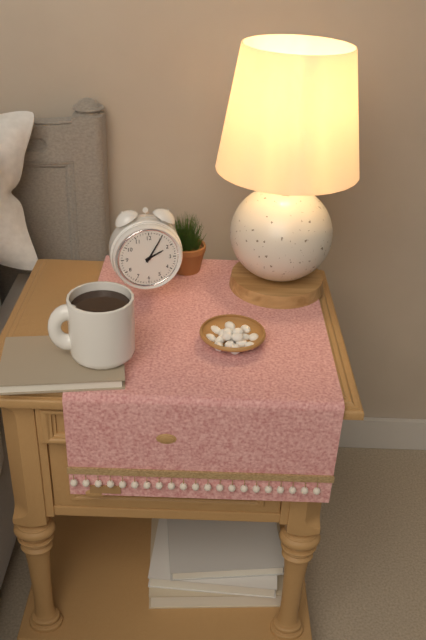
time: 2:05
